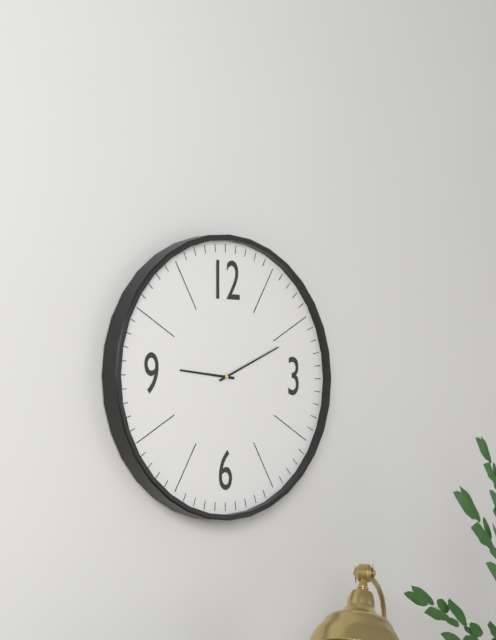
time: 9:11
